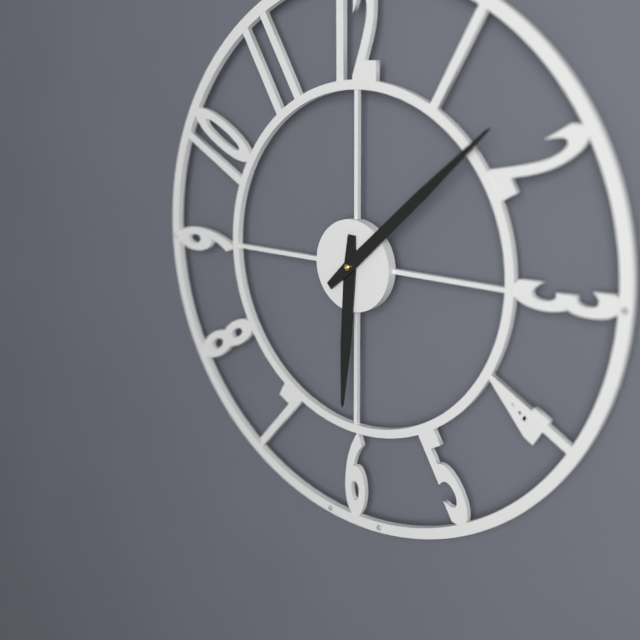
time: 6:08
